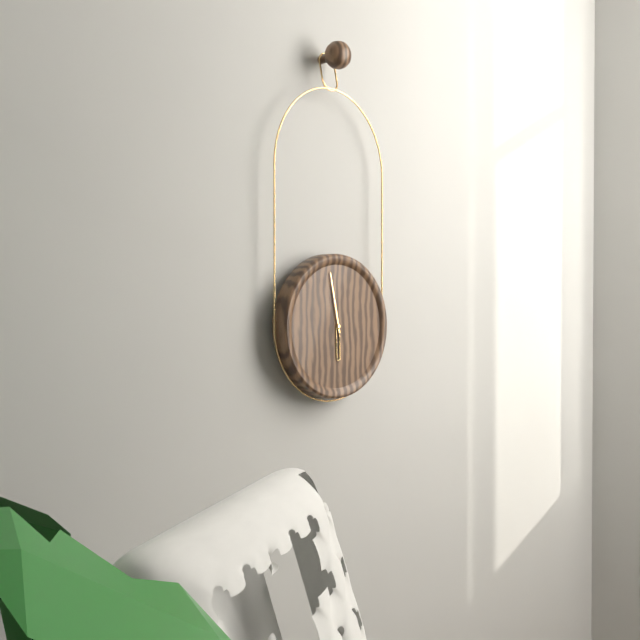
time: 5:58
